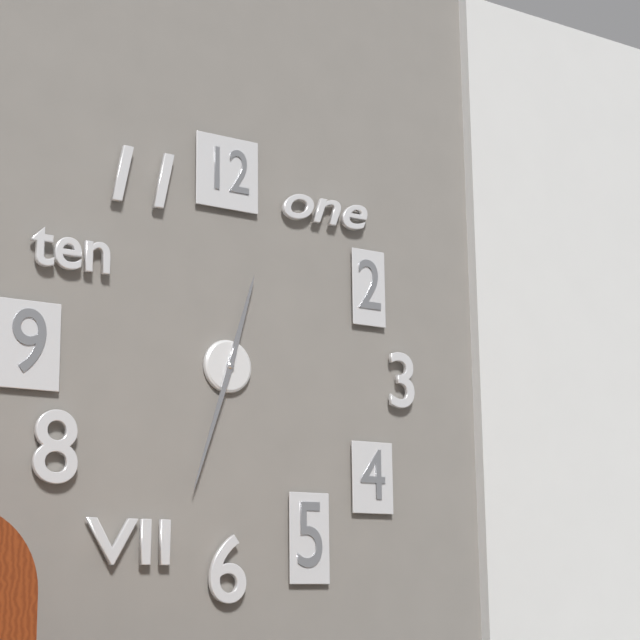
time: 12:33
